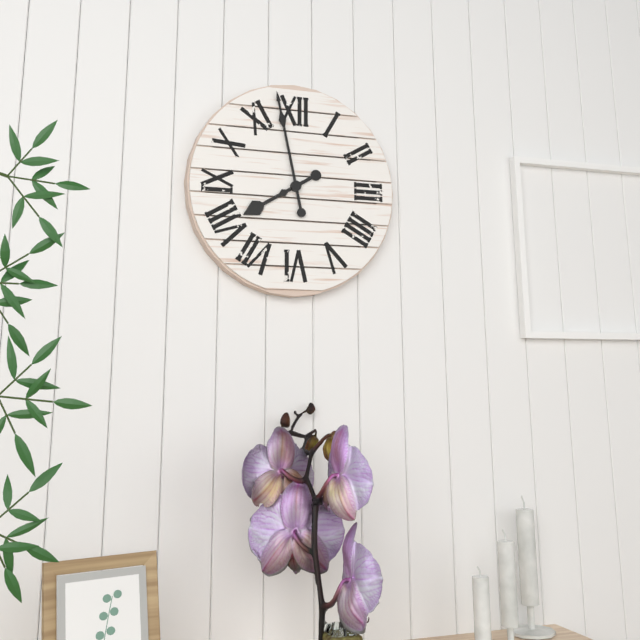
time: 7:58
